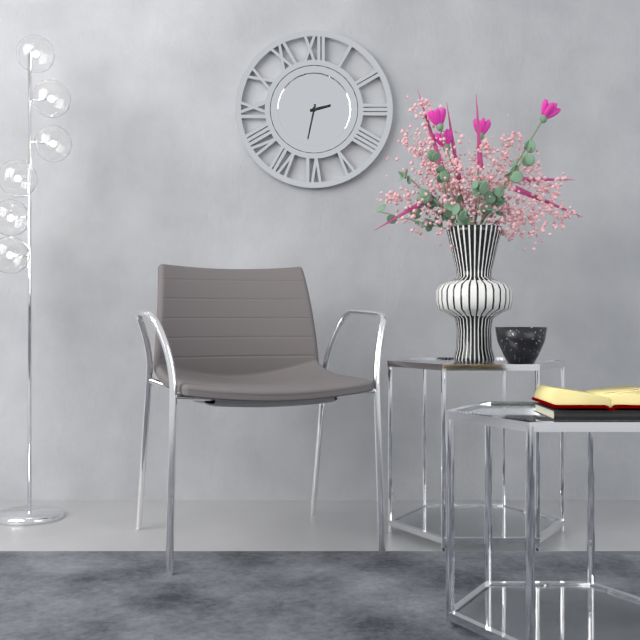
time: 2:32
